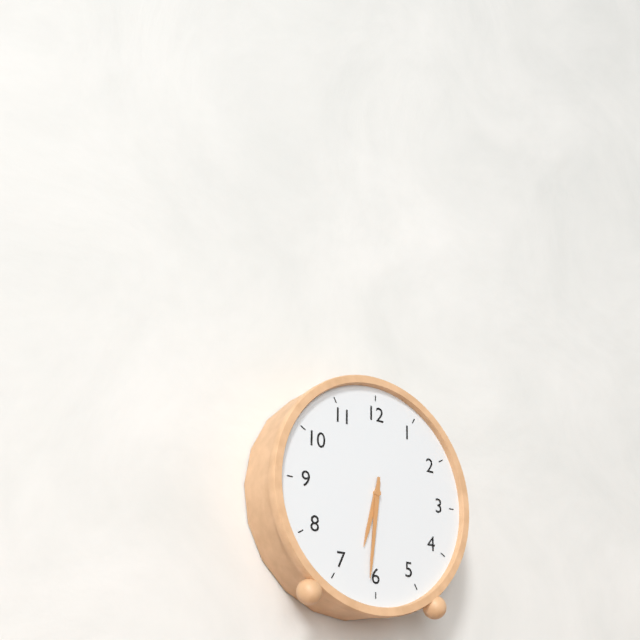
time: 6:31
